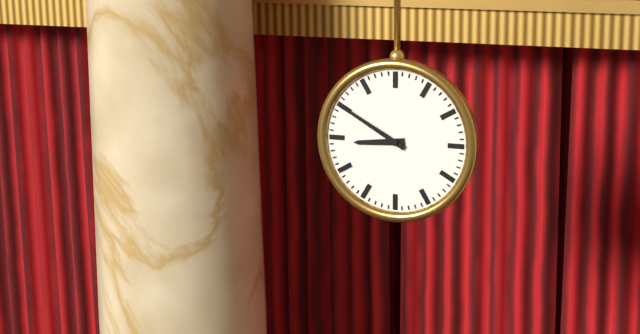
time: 8:50
